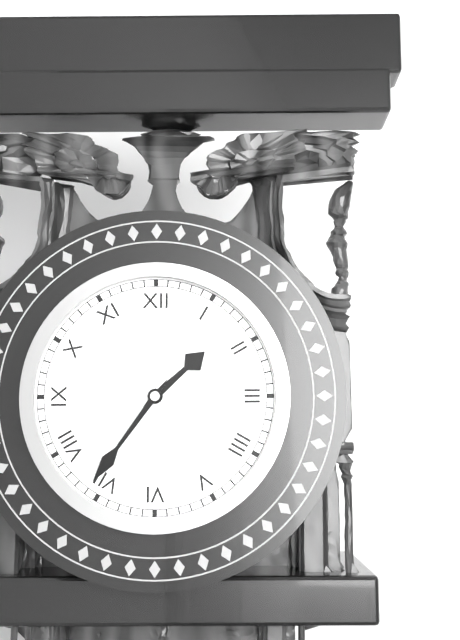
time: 1:36
